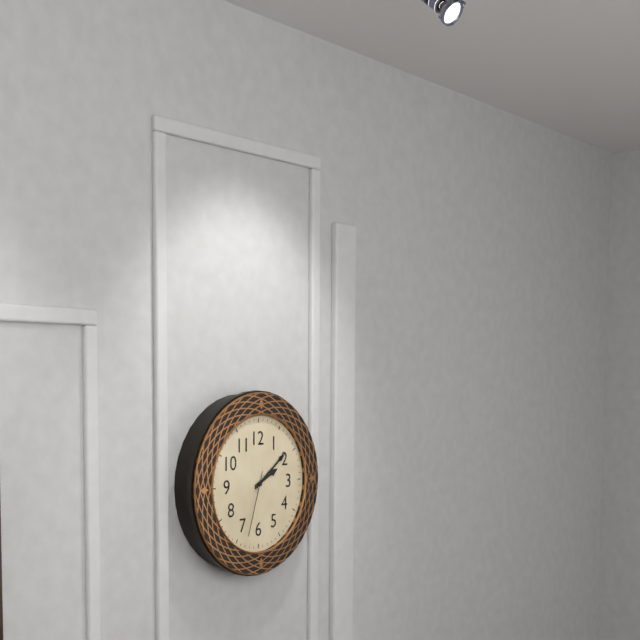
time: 2:09:33
